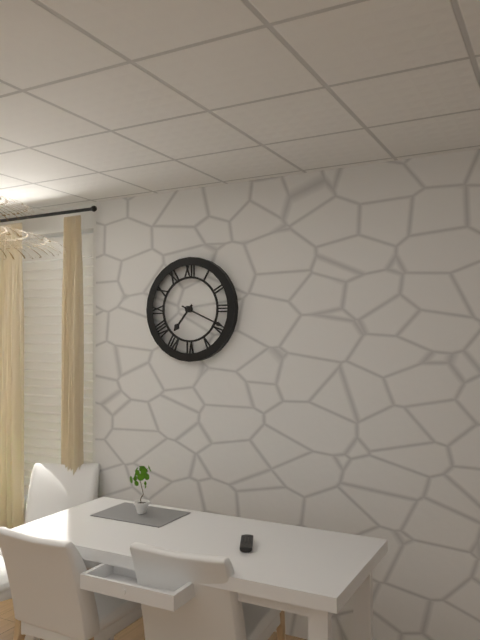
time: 7:19
